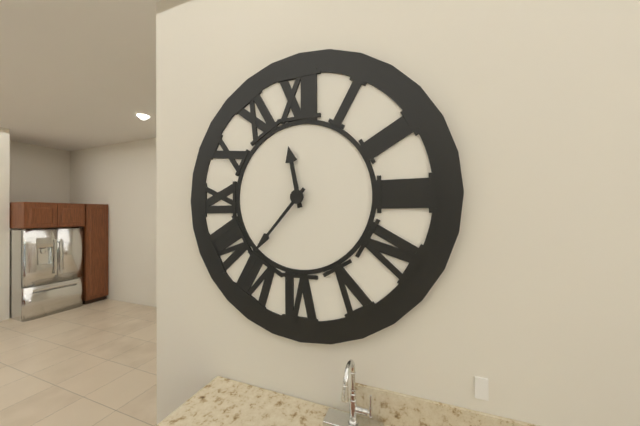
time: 11:37
